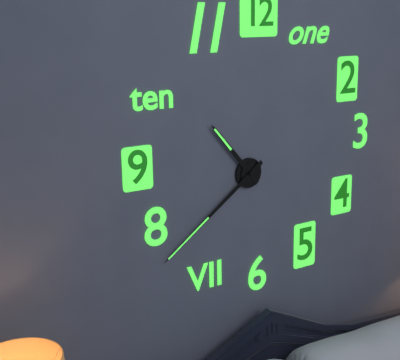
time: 10:39
